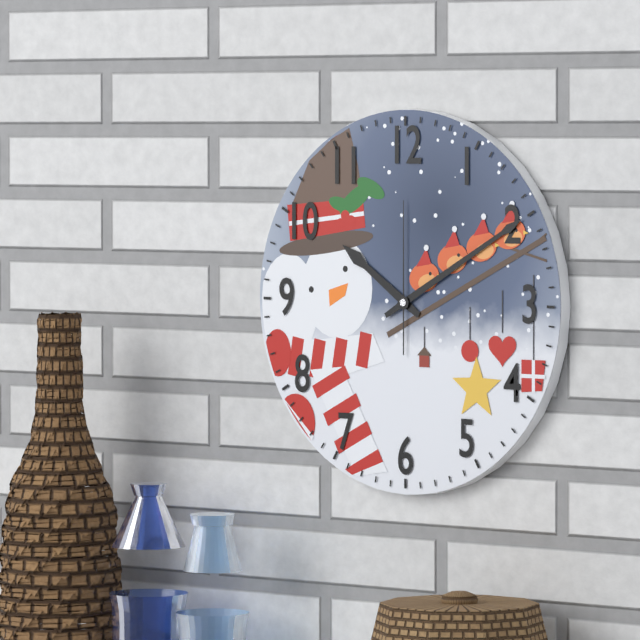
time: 10:10:00
